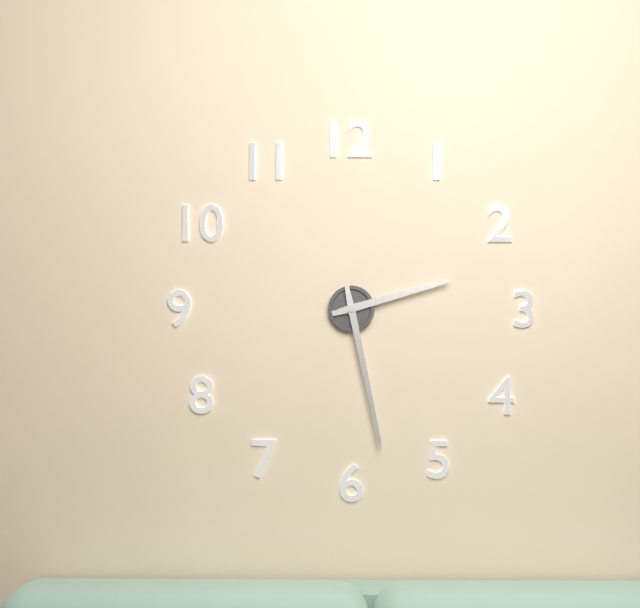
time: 2:28
